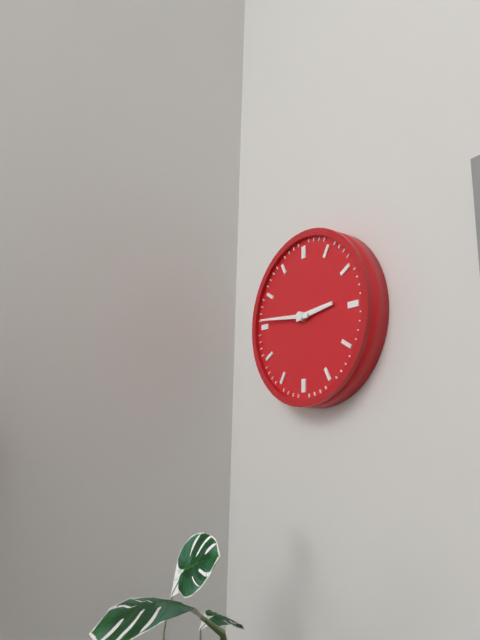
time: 2:46
